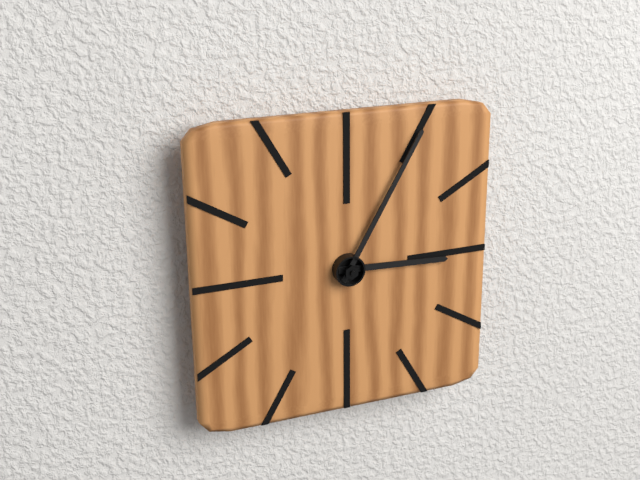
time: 3:05
